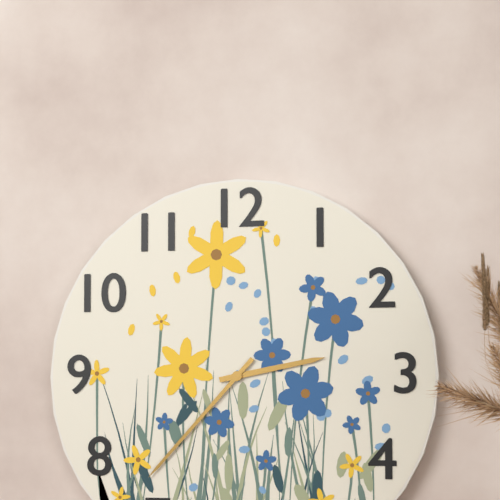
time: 2:37
